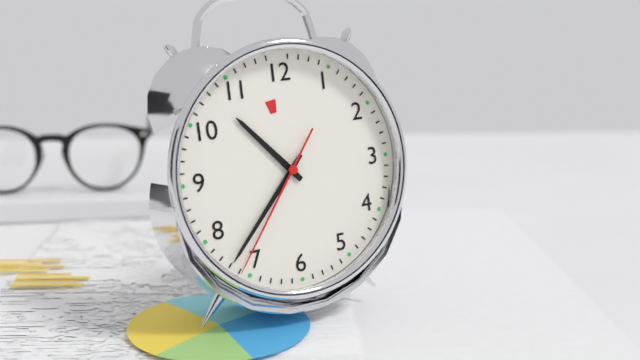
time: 10:37:36
